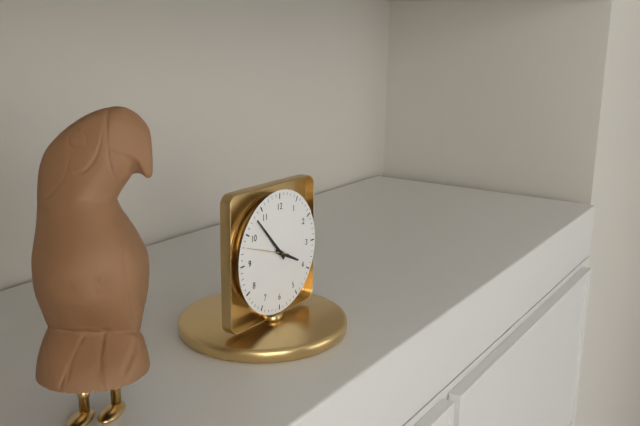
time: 3:53
